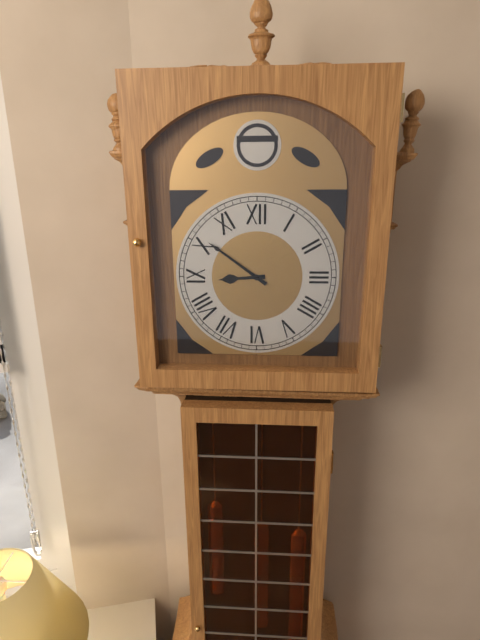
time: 8:51
